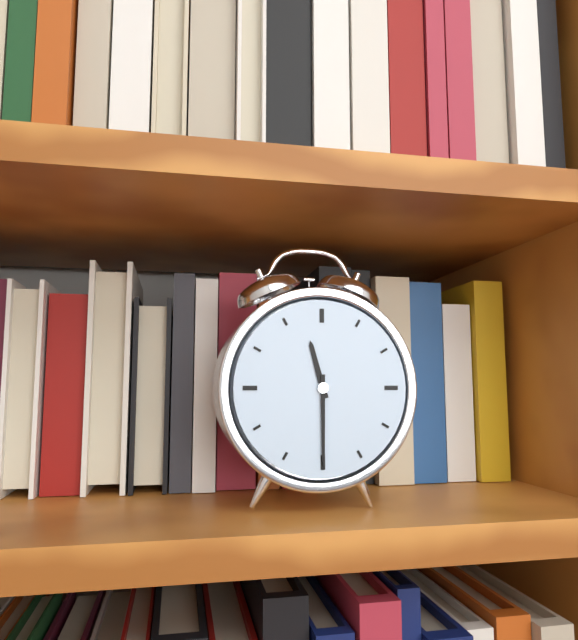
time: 11:30
